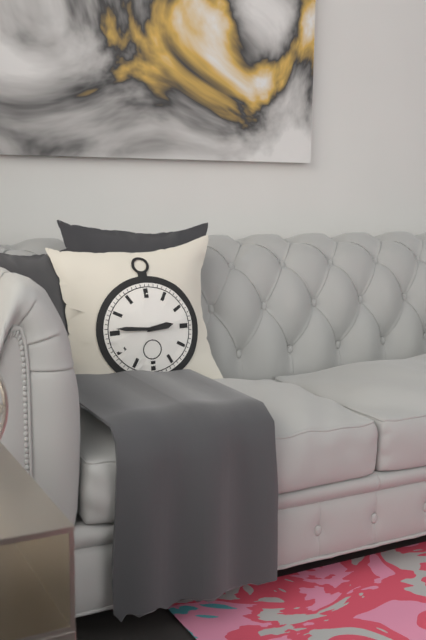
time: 2:46
